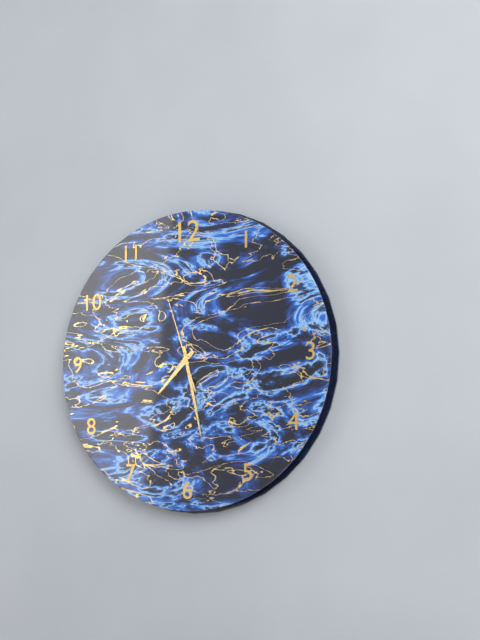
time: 7:28:57
